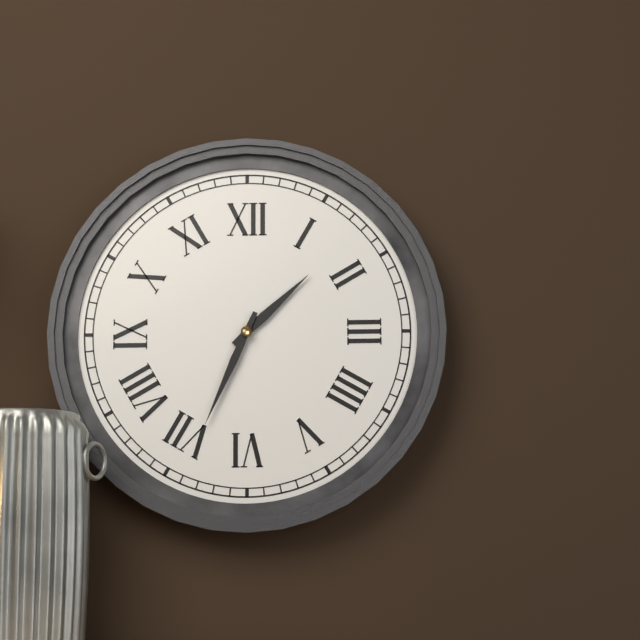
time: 1:34
